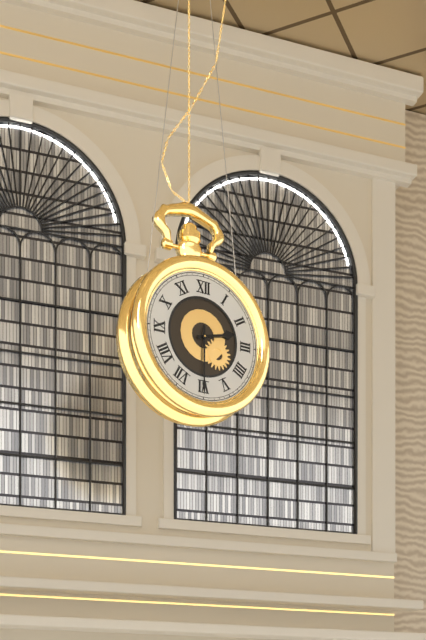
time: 2:30
